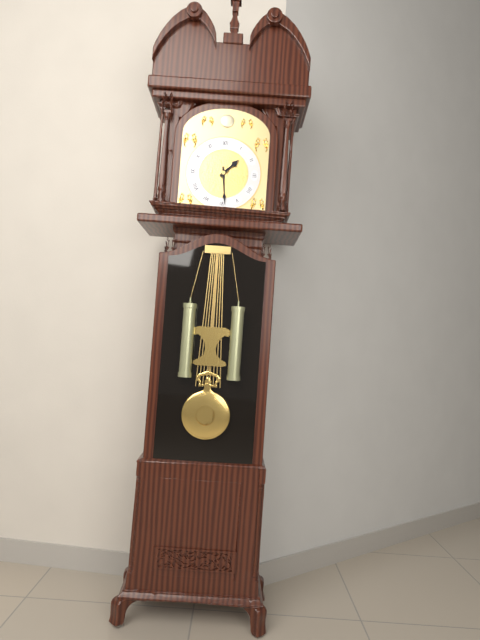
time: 1:29
